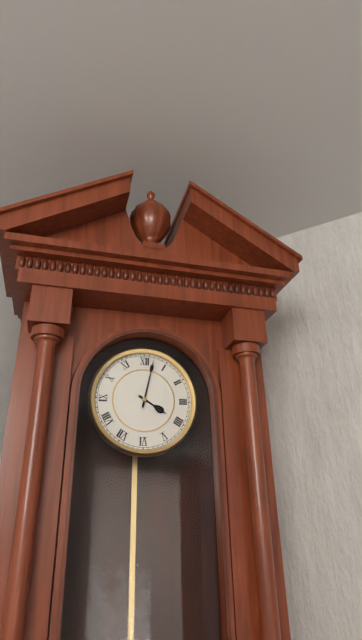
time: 4:02
